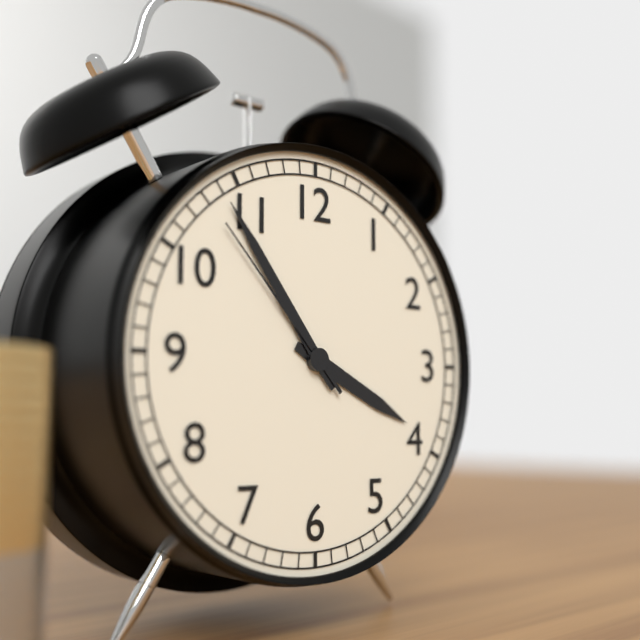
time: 3:54:53
